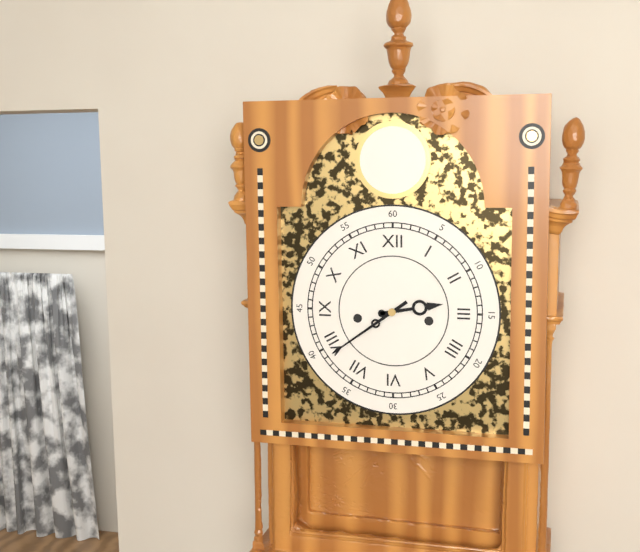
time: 2:39
